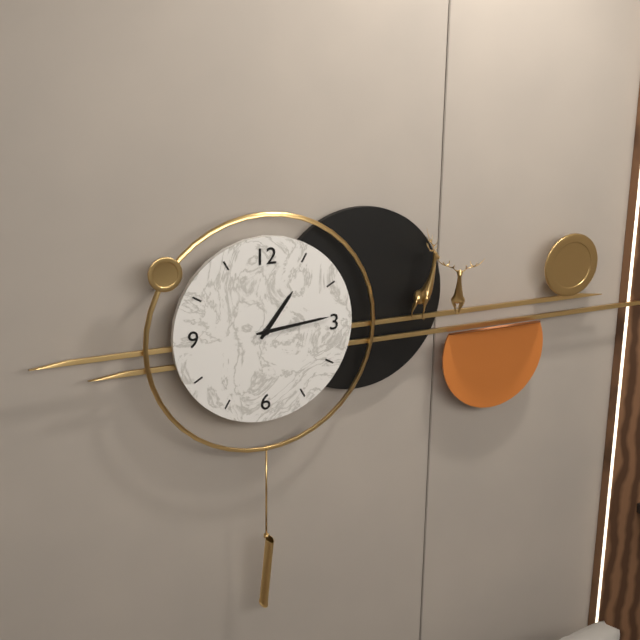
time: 1:14
